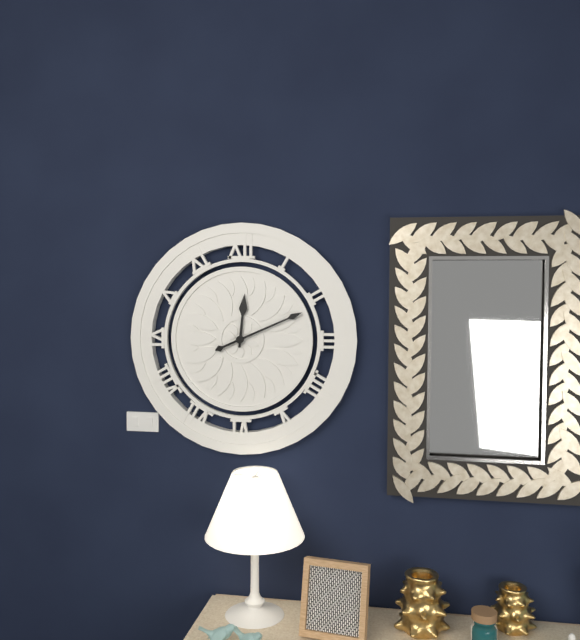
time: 12:11
